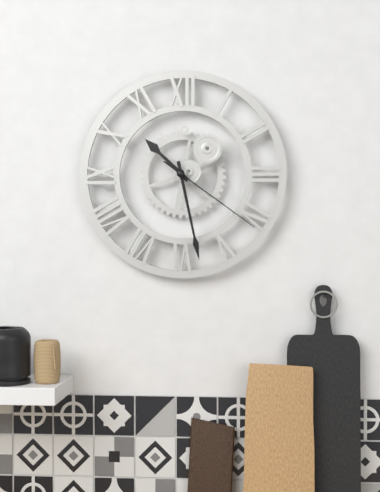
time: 10:28:21
